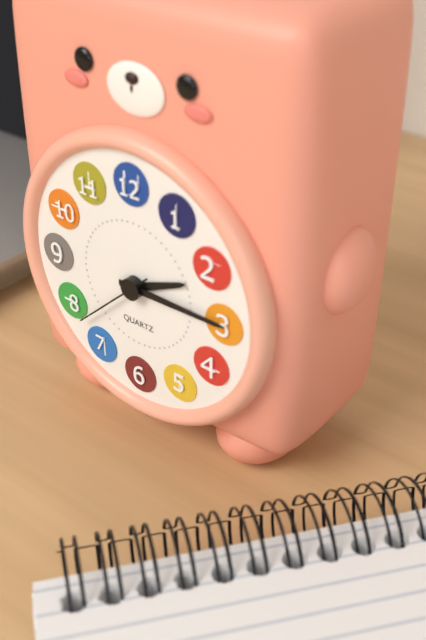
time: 2:15:38
